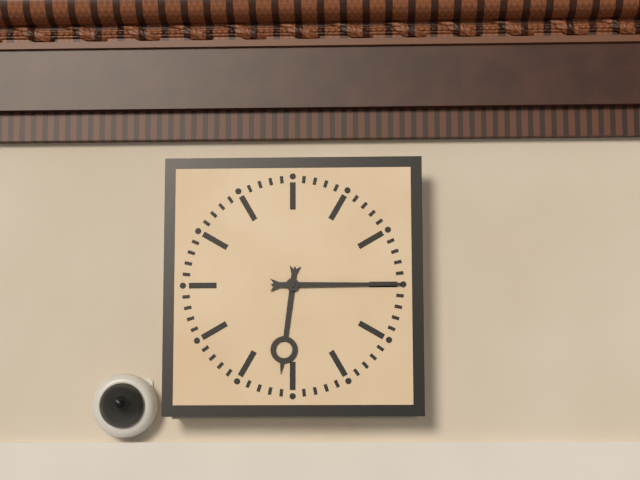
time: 6:15
